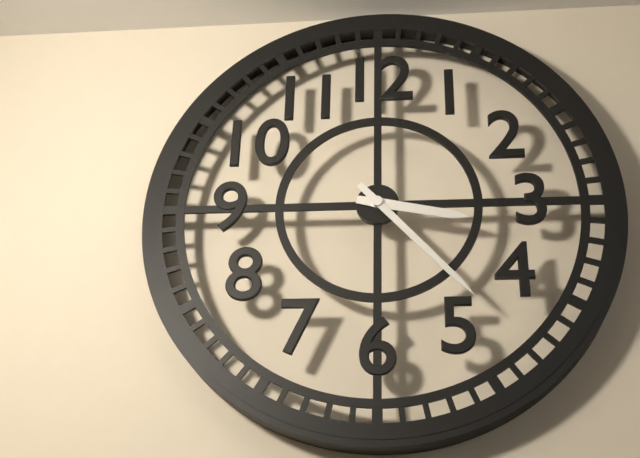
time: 3:23
